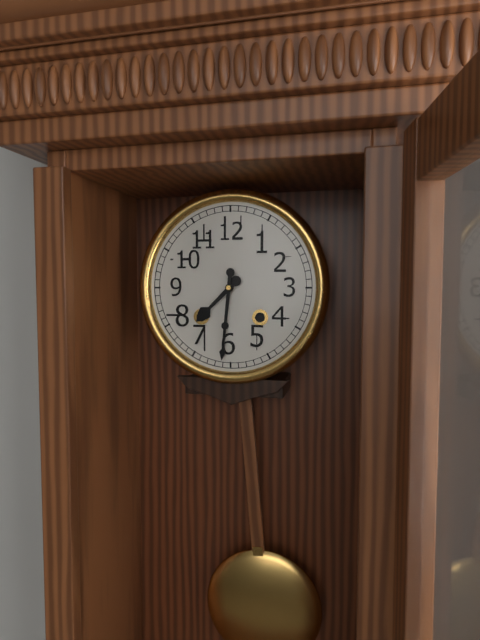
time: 7:31
